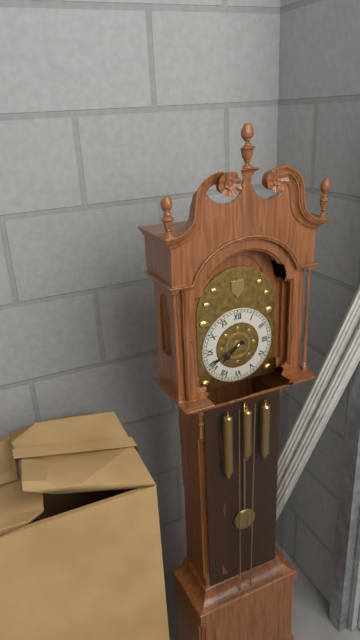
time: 7:41
